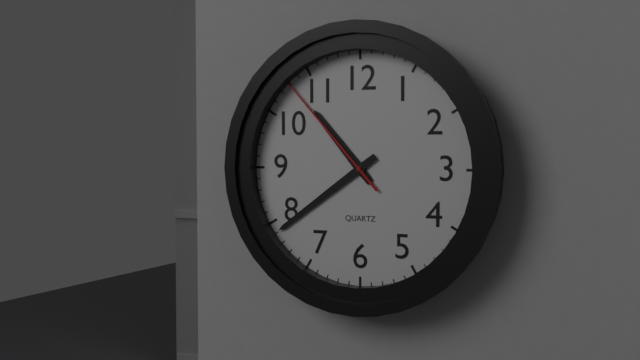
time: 10:39:53
